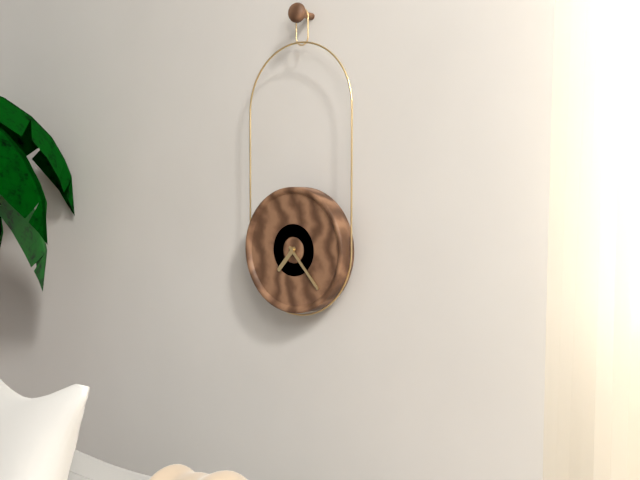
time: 7:23
